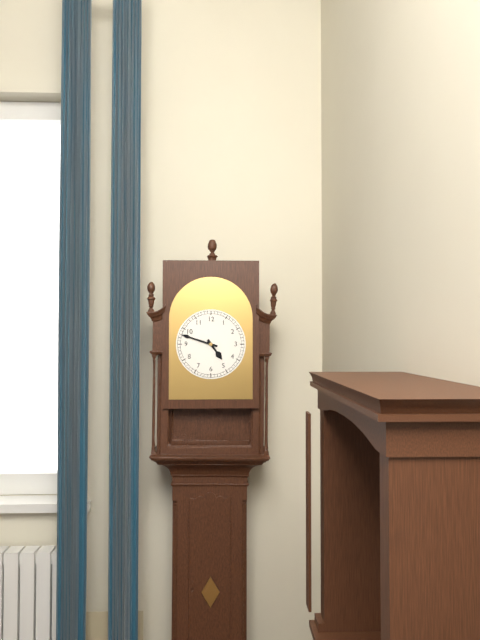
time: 4:48
